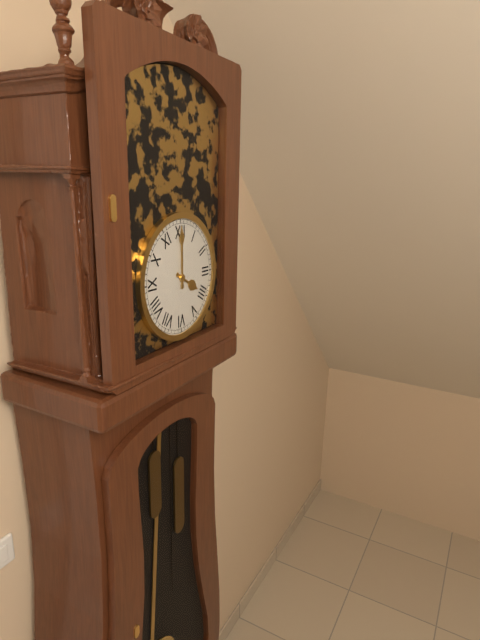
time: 4:00
